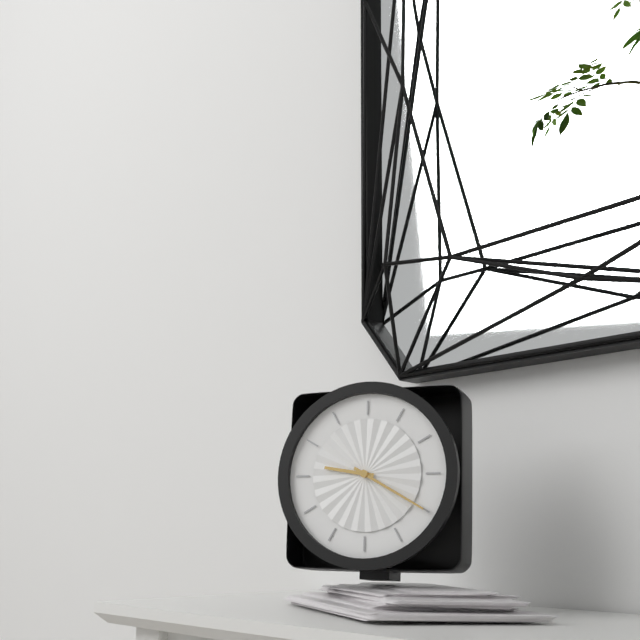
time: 9:20
